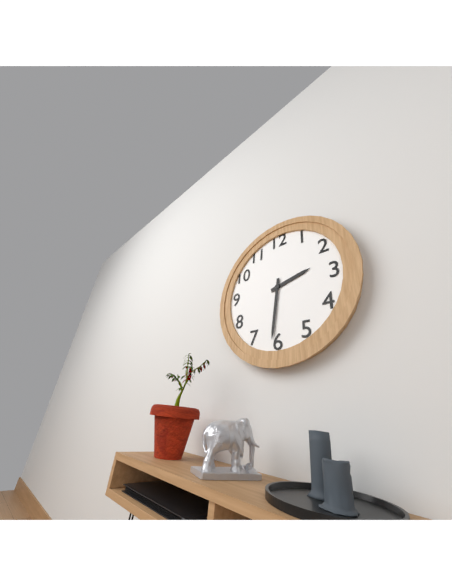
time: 2:31
